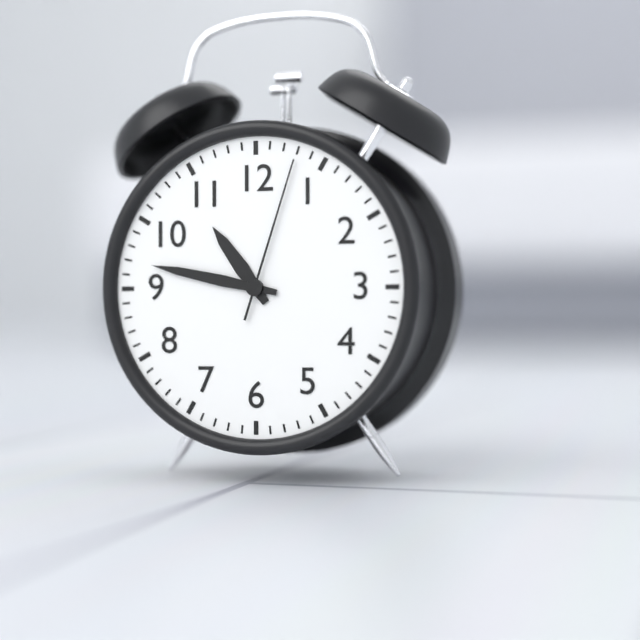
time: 10:47:03
